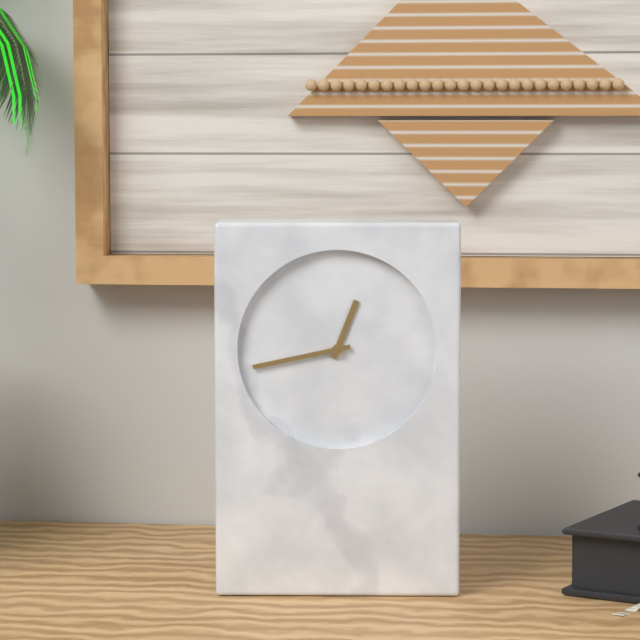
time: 12:43
